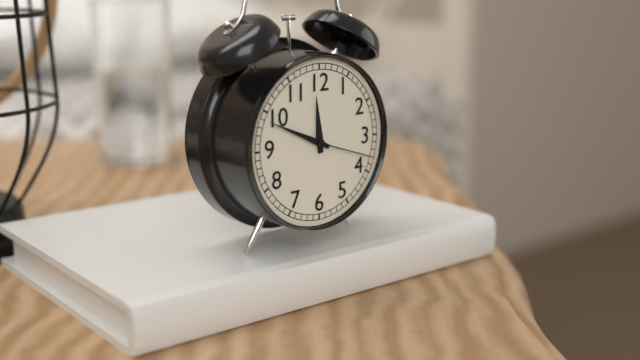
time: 11:49:18
